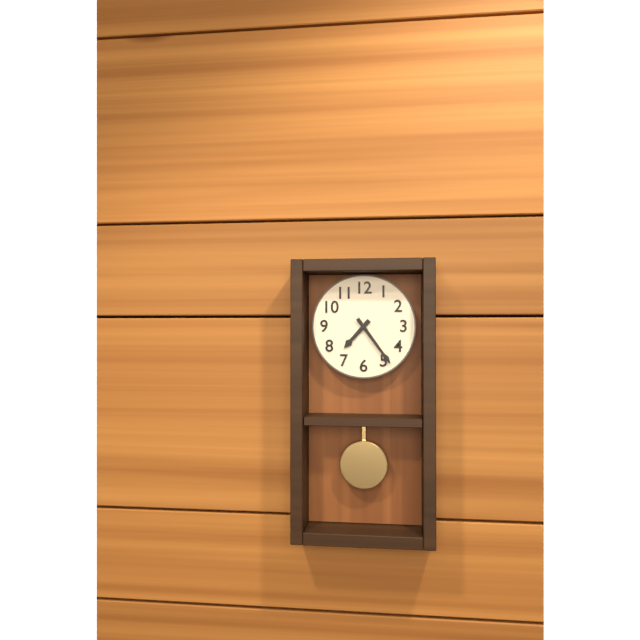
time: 7:24
